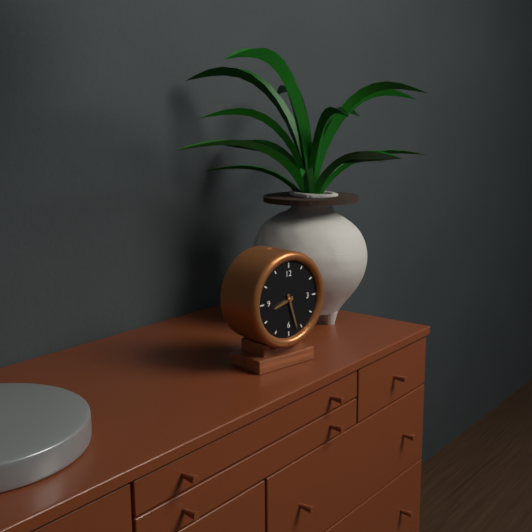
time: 8:27
